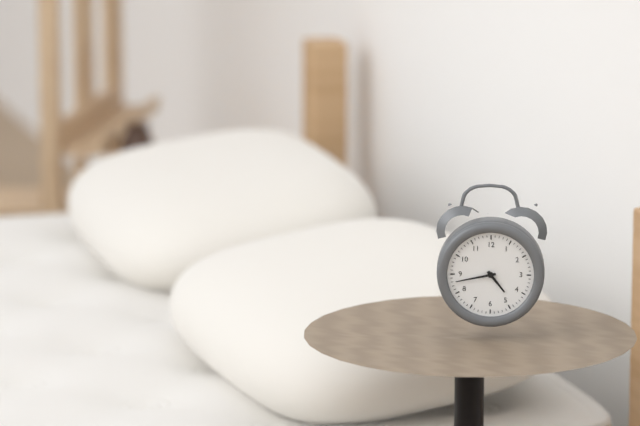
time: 4:43
